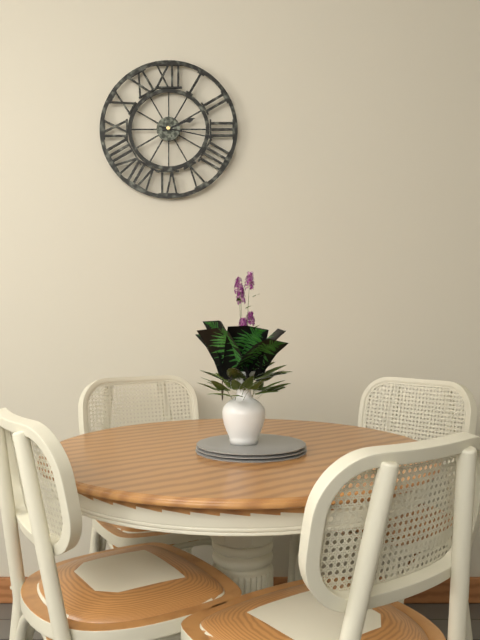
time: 2:17
